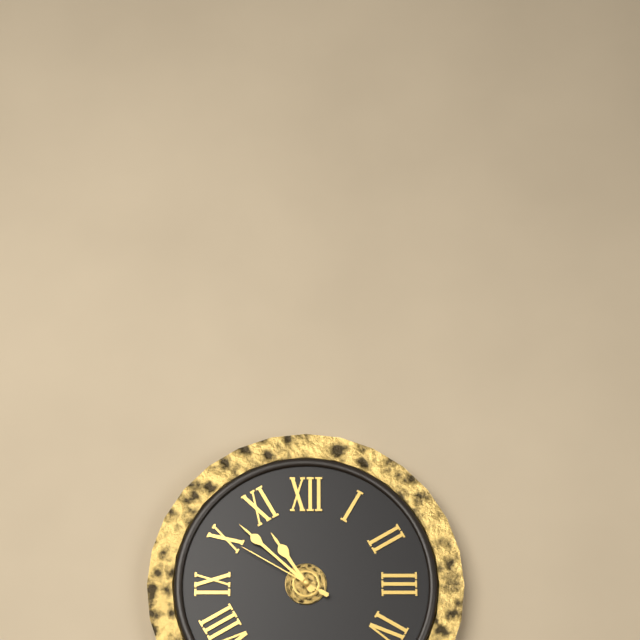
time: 10:52:50
